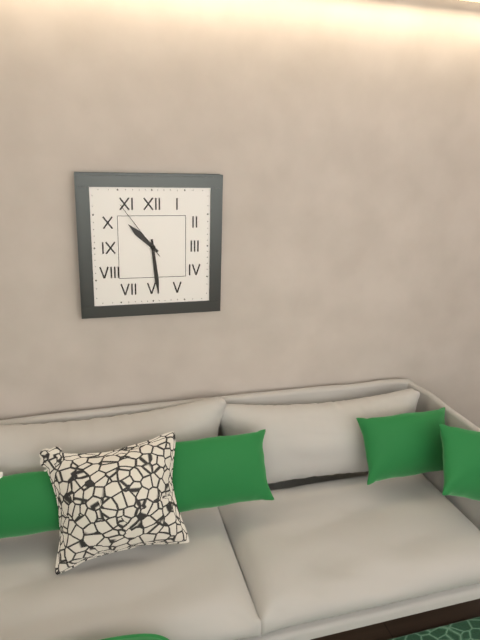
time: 10:29:54
